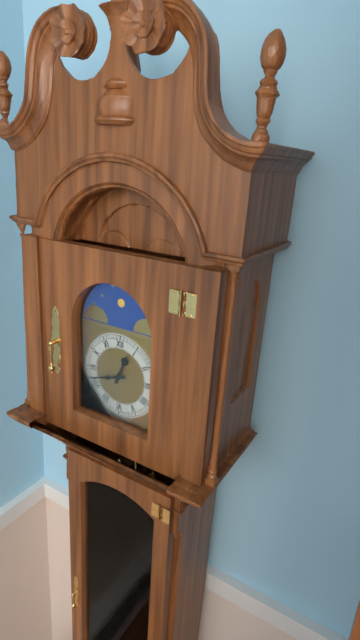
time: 12:42
